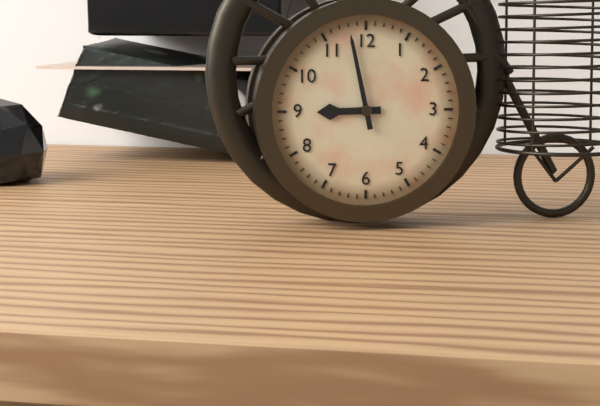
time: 8:58
